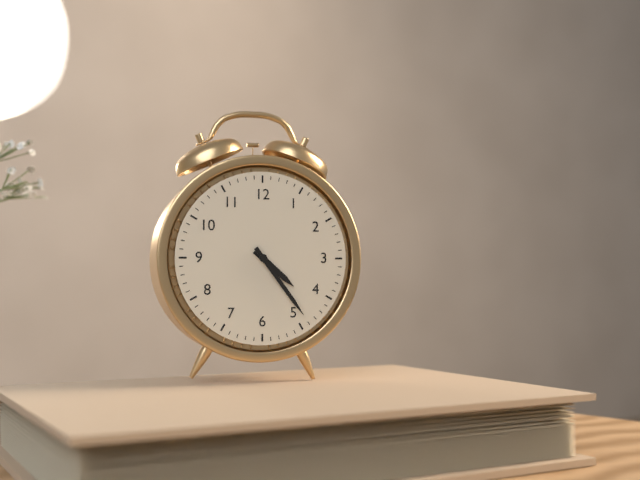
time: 4:24
